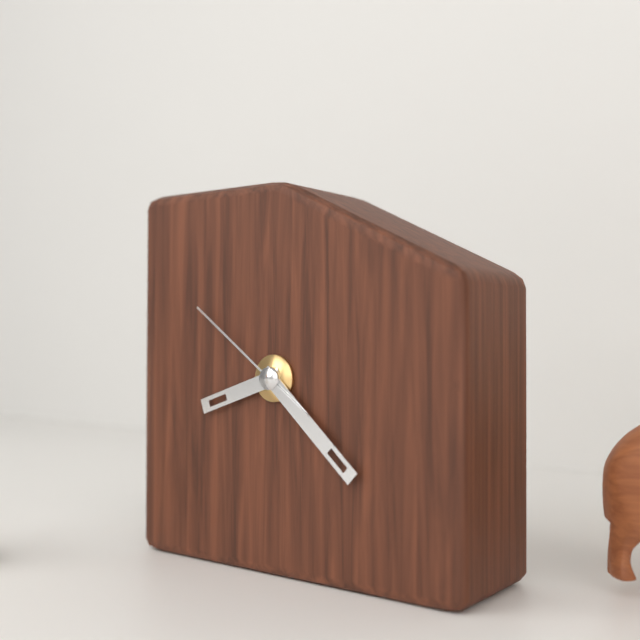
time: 8:22:51
